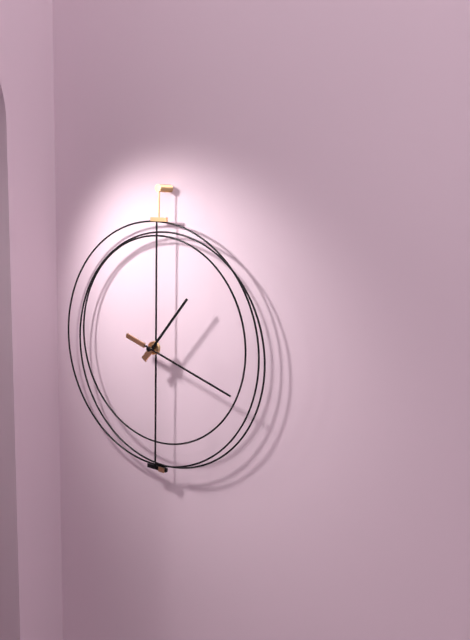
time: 1:18
